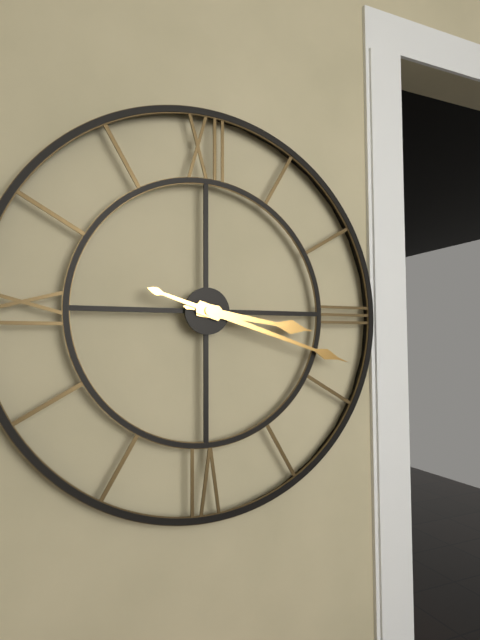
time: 3:18
